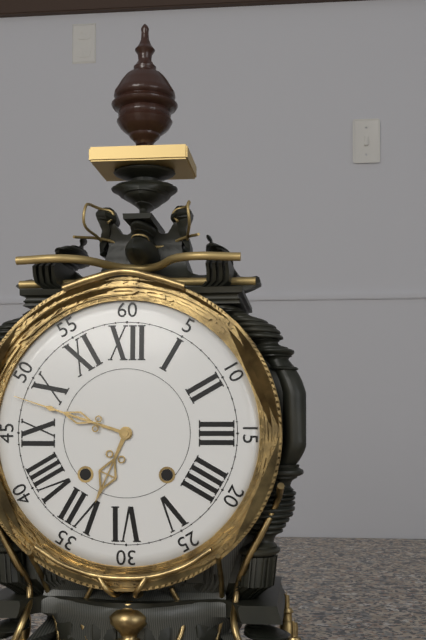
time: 6:48
